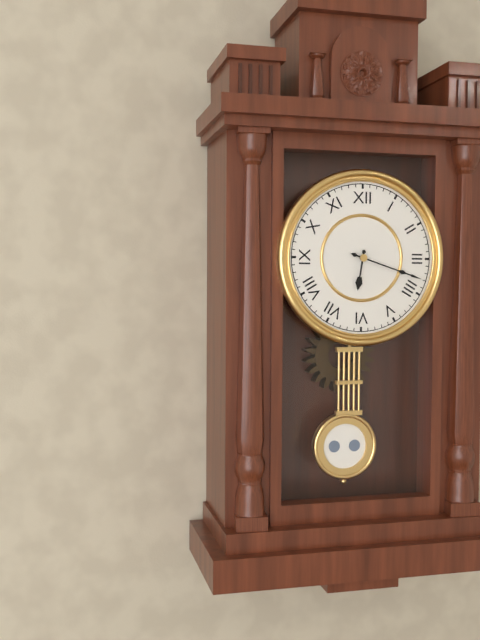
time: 6:18
